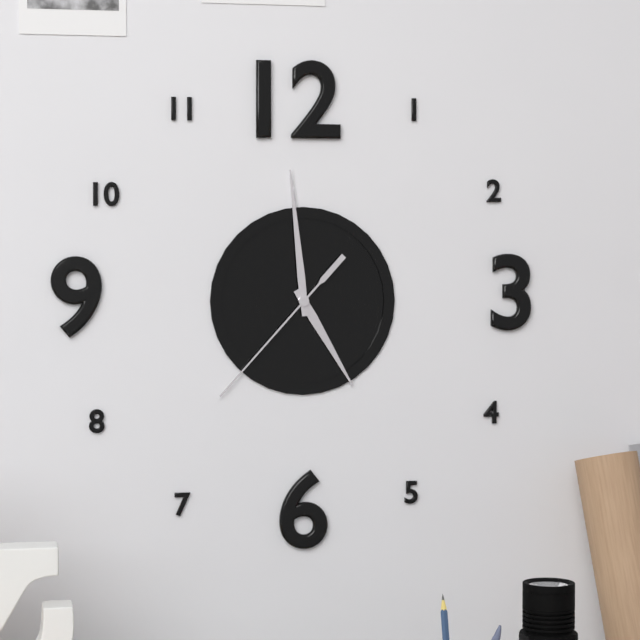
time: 4:59:37
